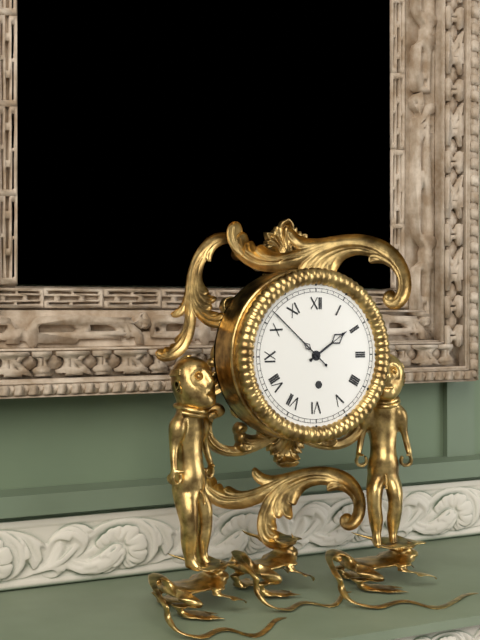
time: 1:52
